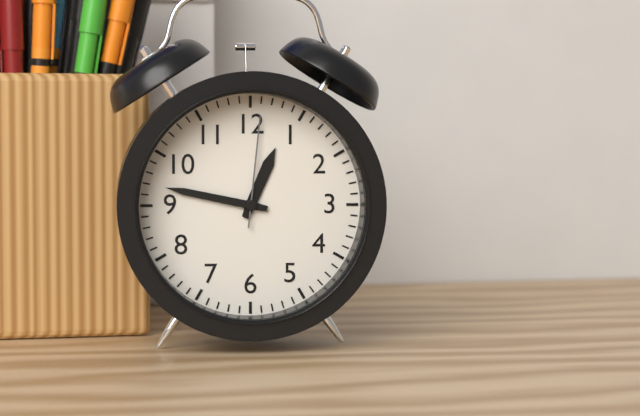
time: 12:47:01
